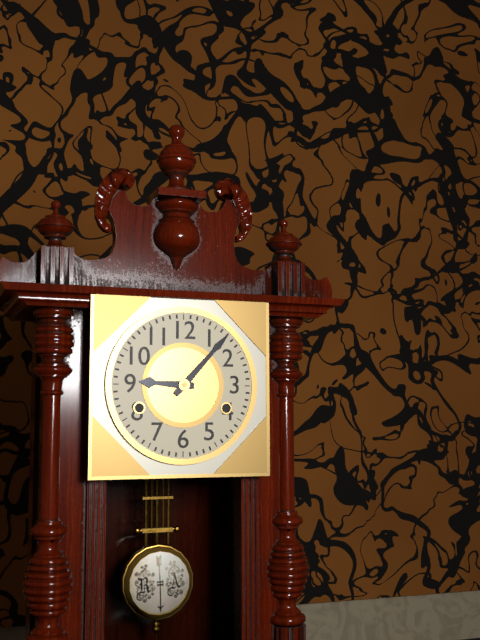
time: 9:07
